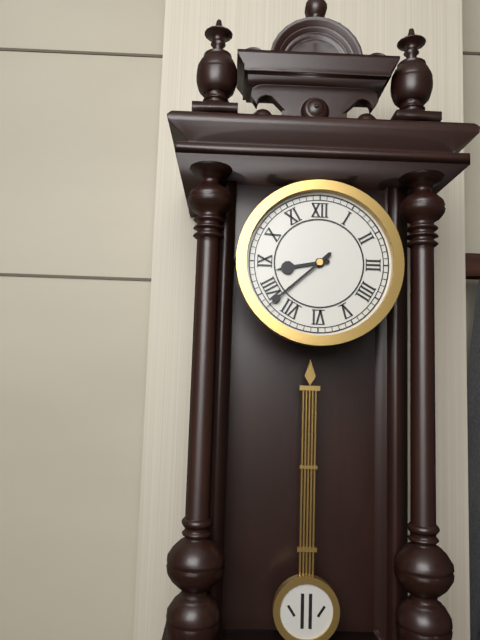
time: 8:38
